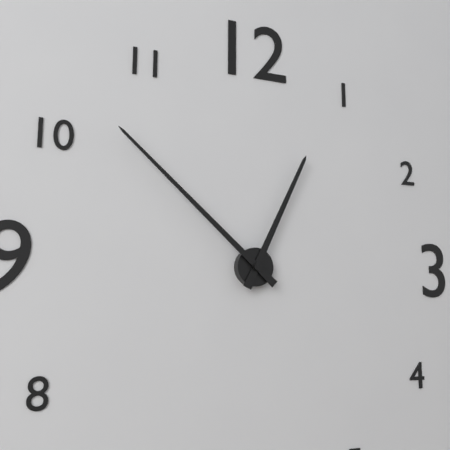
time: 12:52
